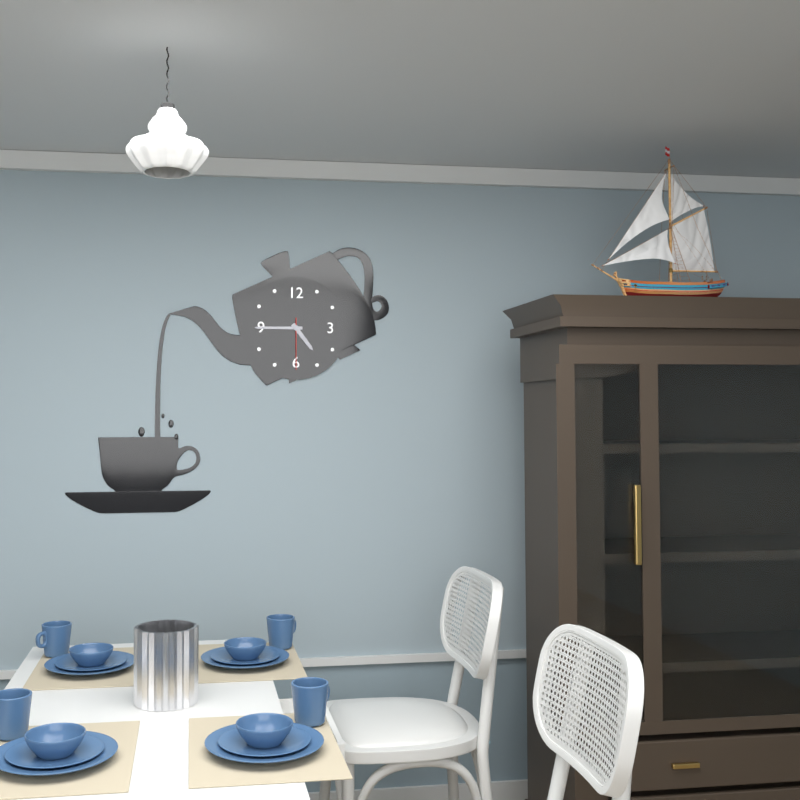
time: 4:45:30
